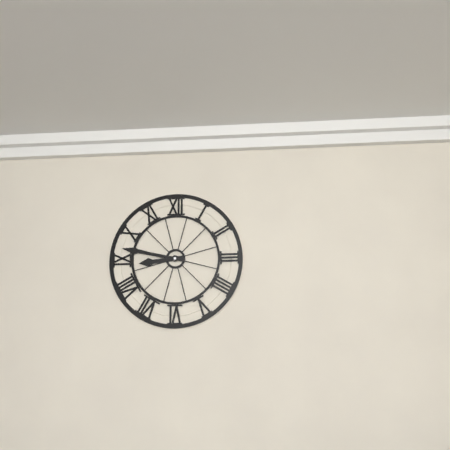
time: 8:47
